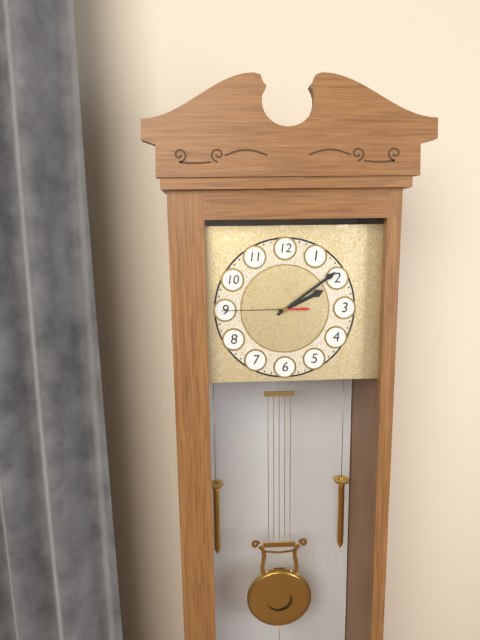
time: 2:09:45
